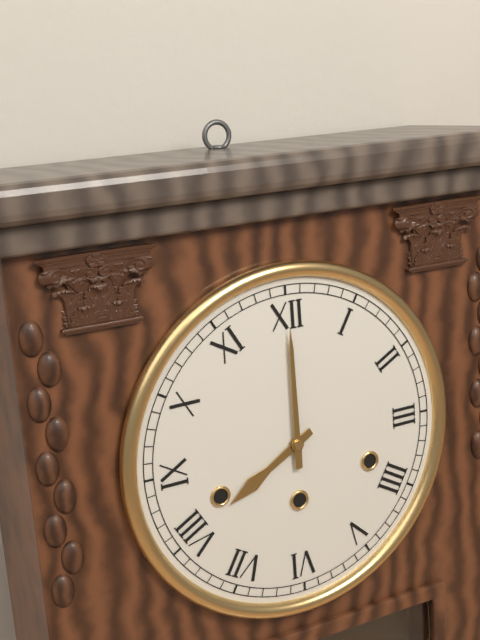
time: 8:00
